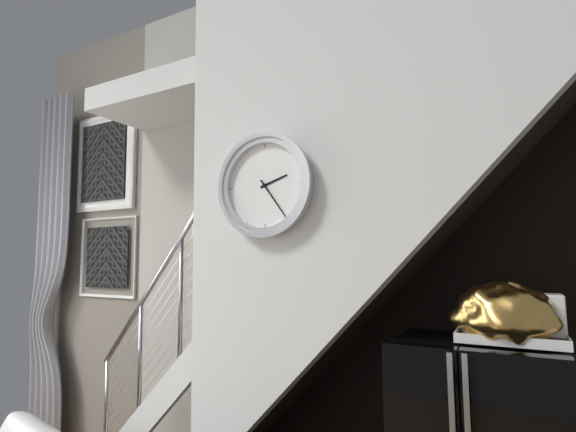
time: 2:24
